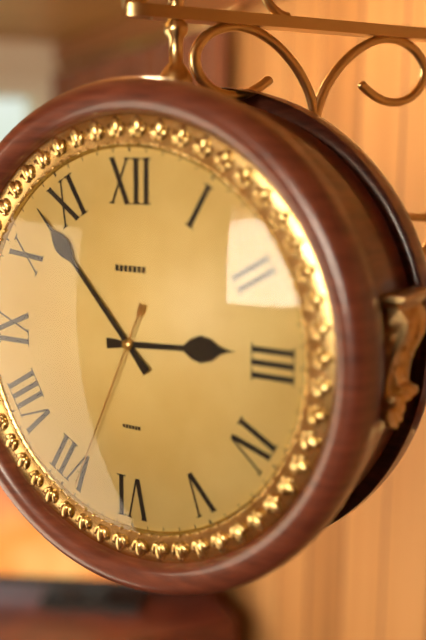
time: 2:53:34
